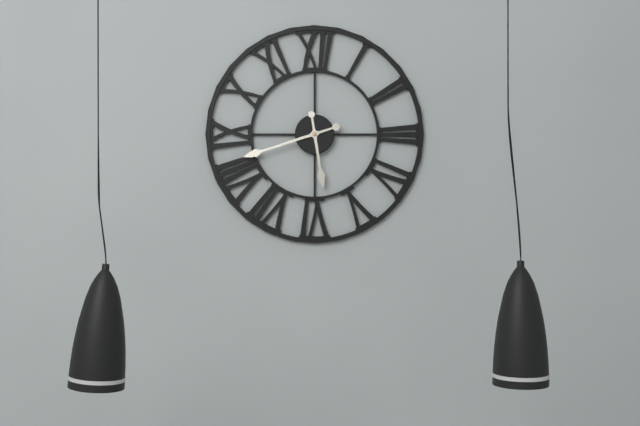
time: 5:42
